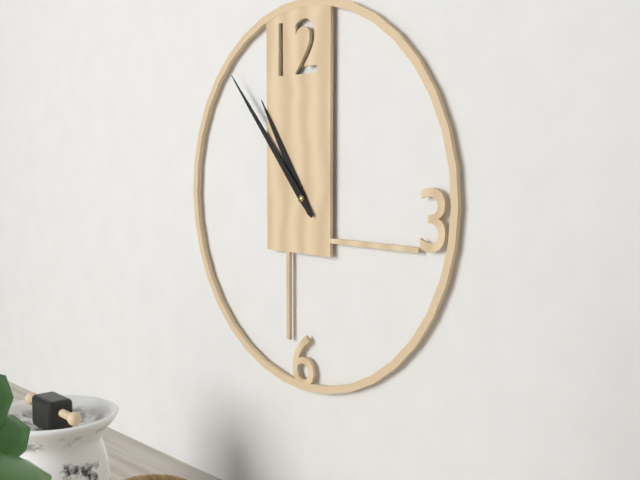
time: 10:53
